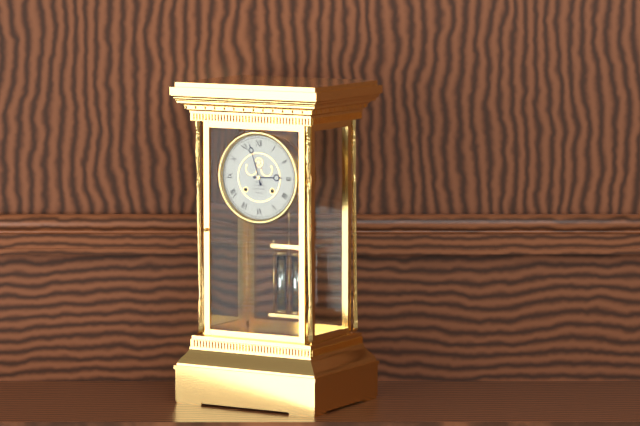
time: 2:57
